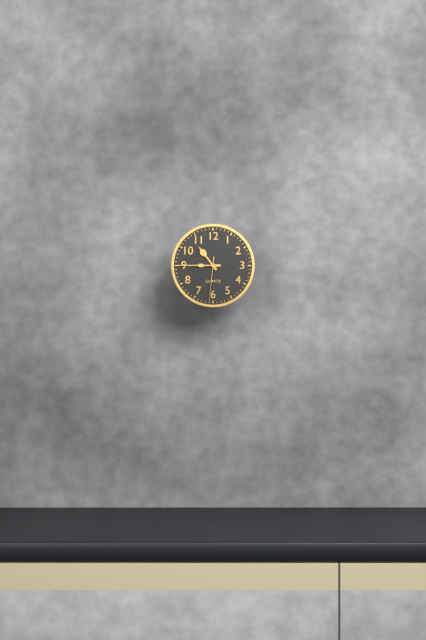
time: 10:45
